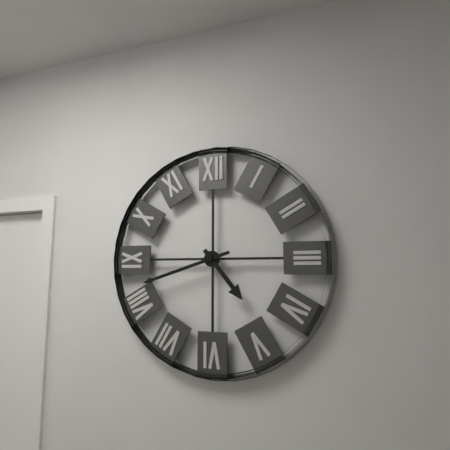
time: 4:42
